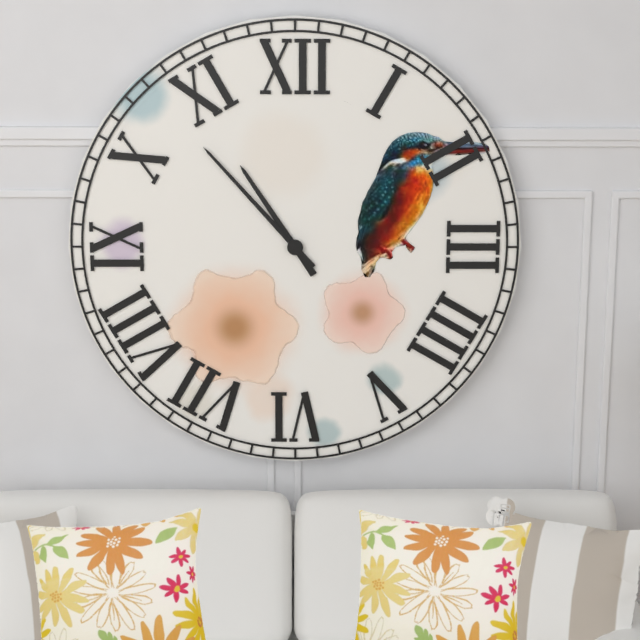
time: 10:53
